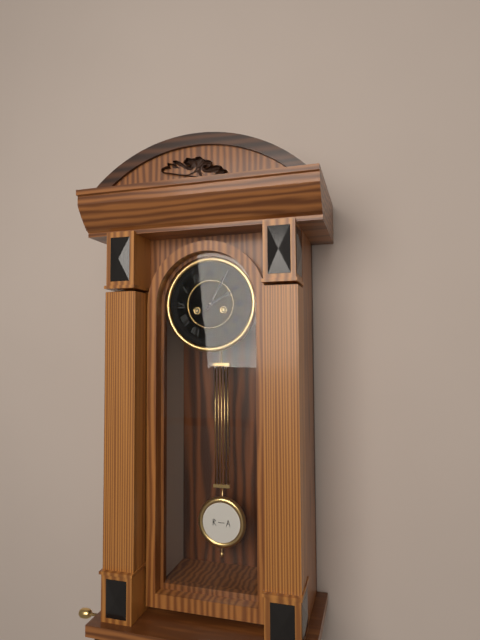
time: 2:05
